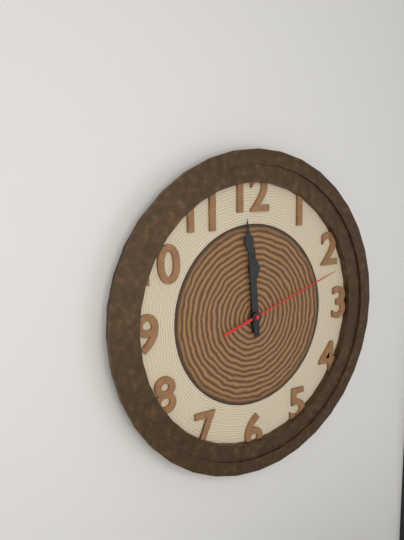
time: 11:59:12
